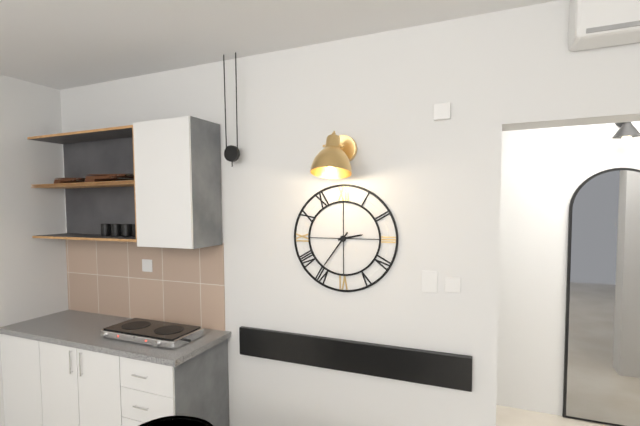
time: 2:36
